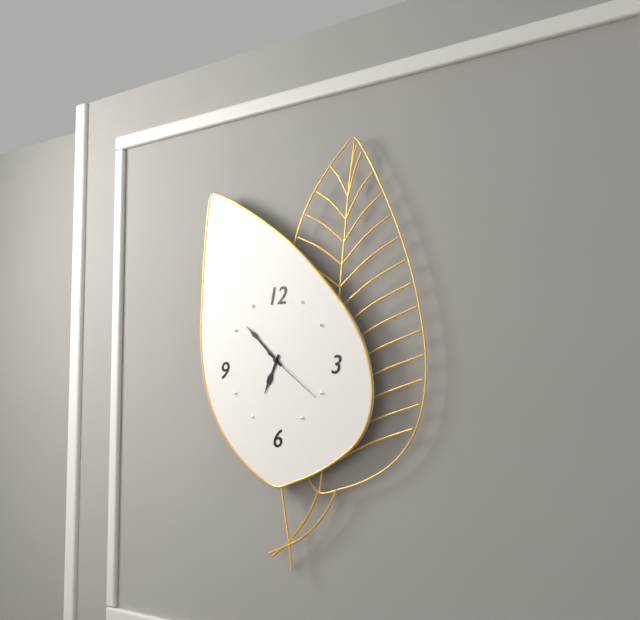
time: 6:52:21
